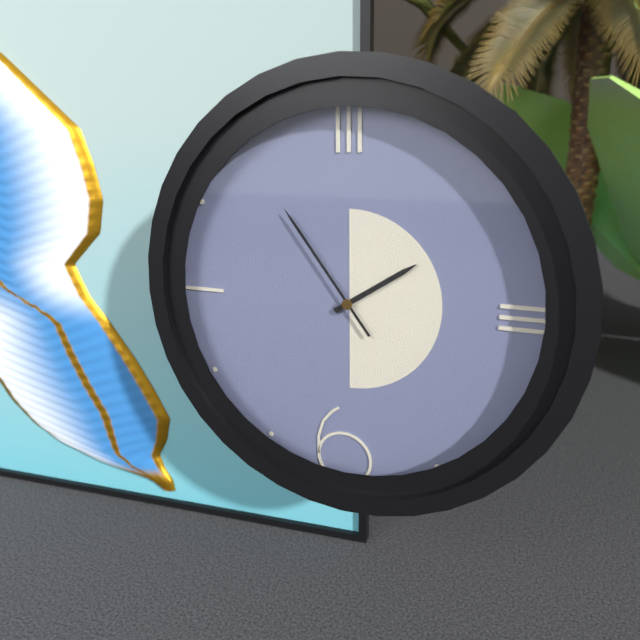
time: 1:54
